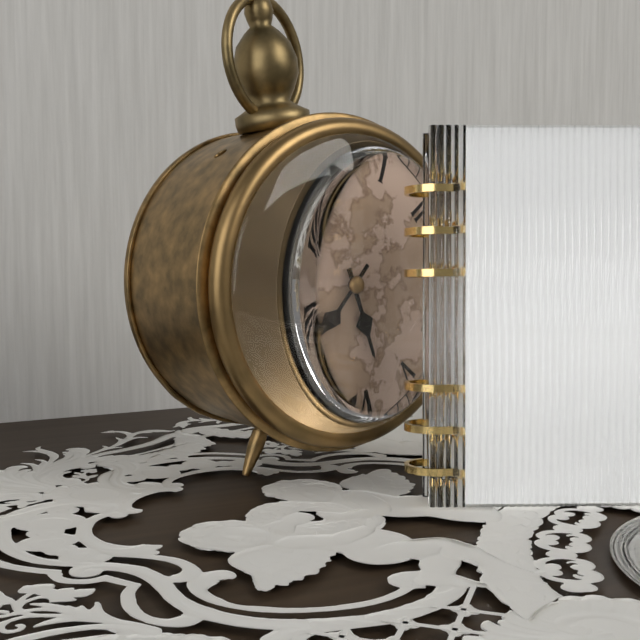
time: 5:38
